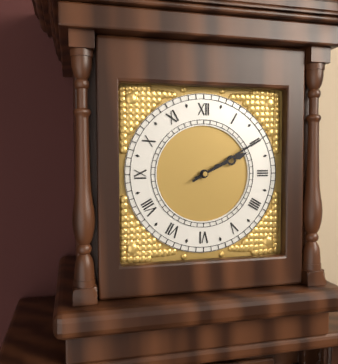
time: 2:10
